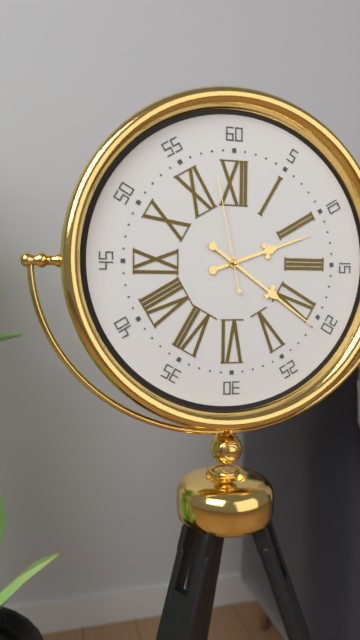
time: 2:21:58
